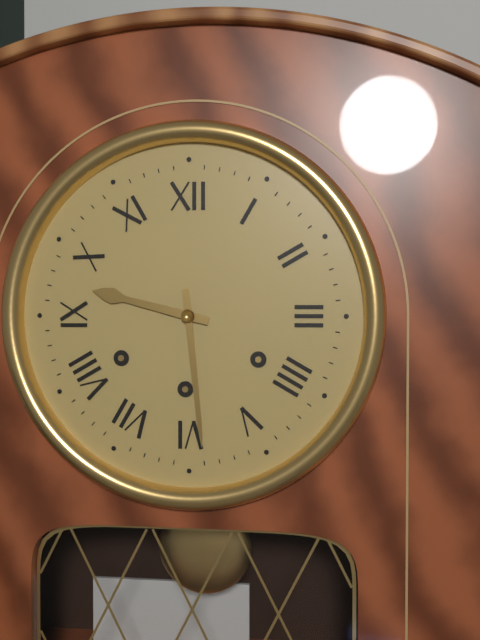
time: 9:29
